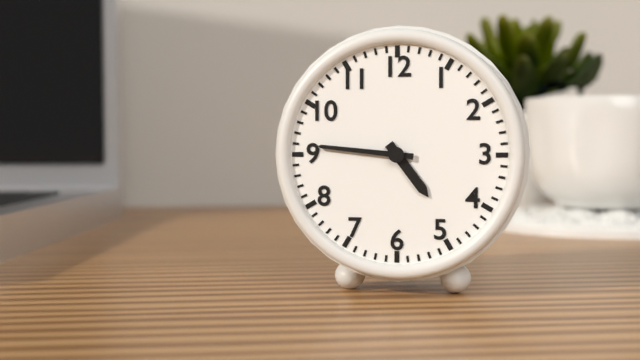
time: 4:46
